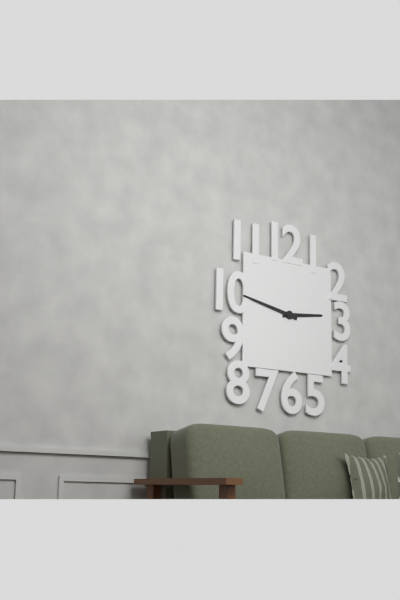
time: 2:47
